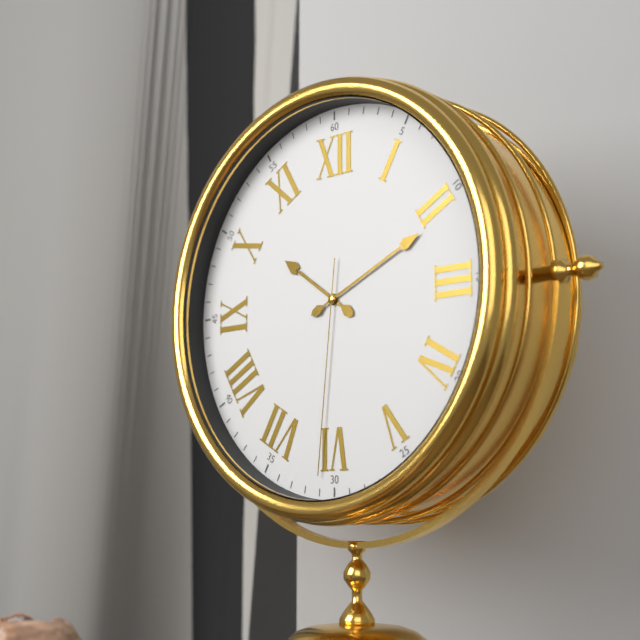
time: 10:11:31
